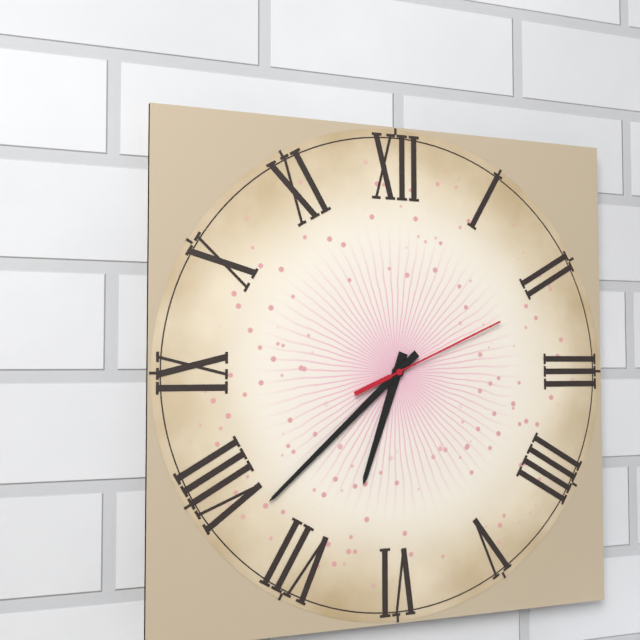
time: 6:38:11
